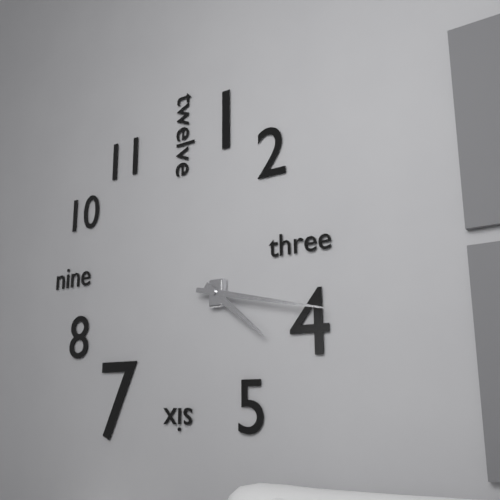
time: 4:17
